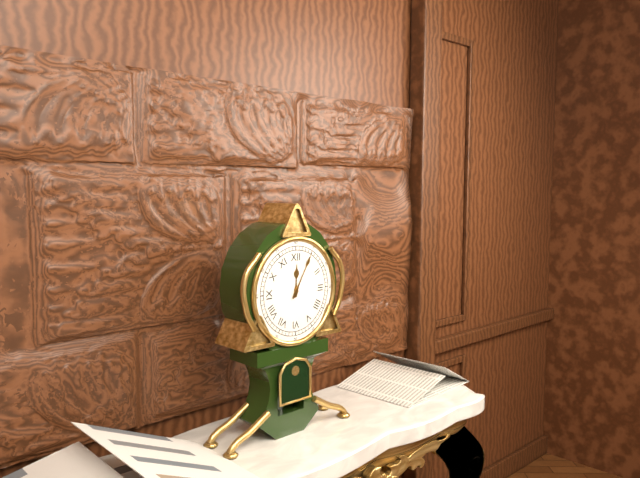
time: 12:05
